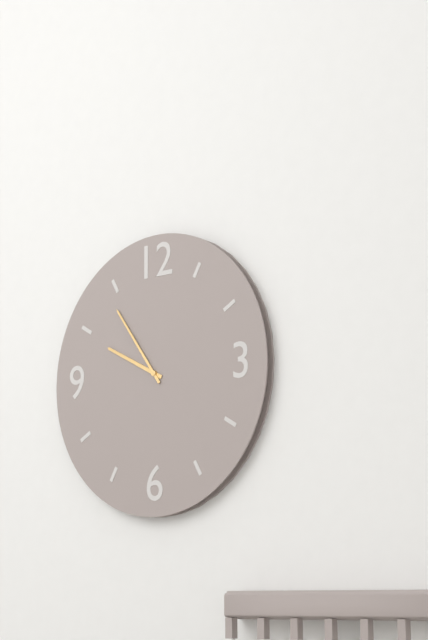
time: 9:54
